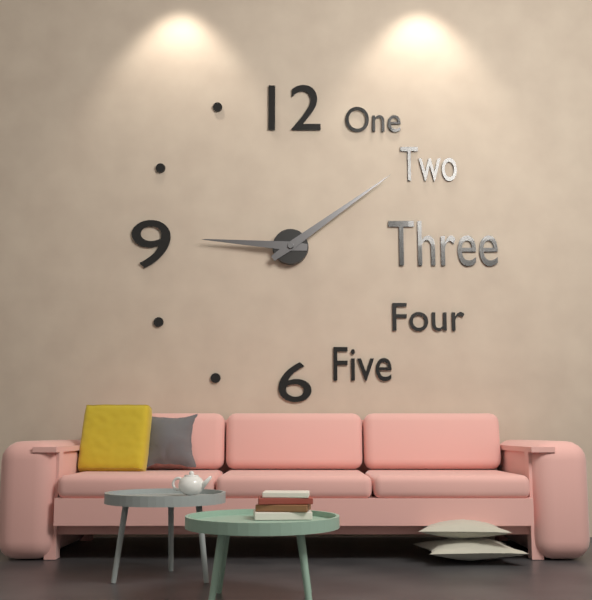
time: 9:09
